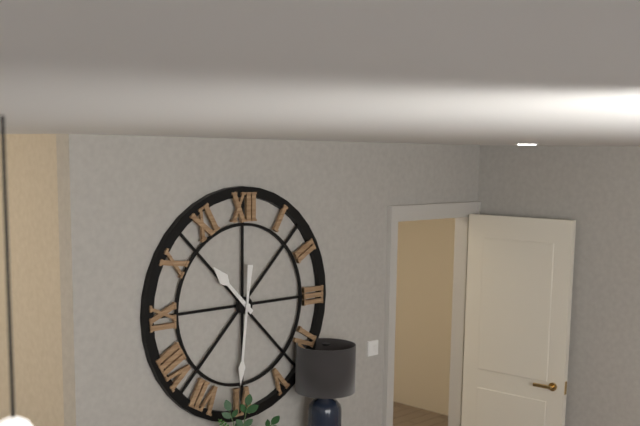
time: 10:31
